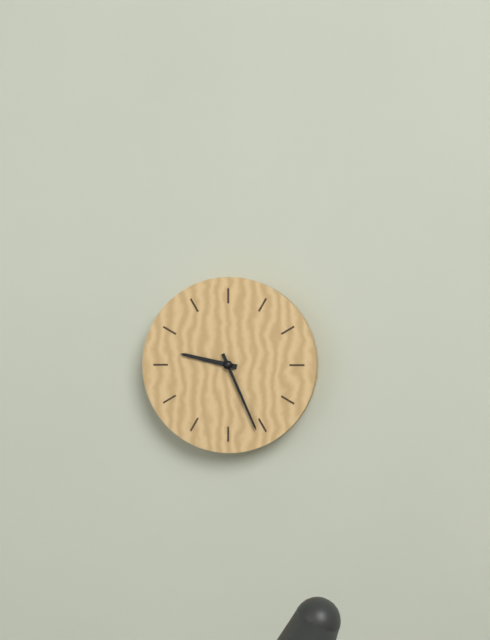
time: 9:26
